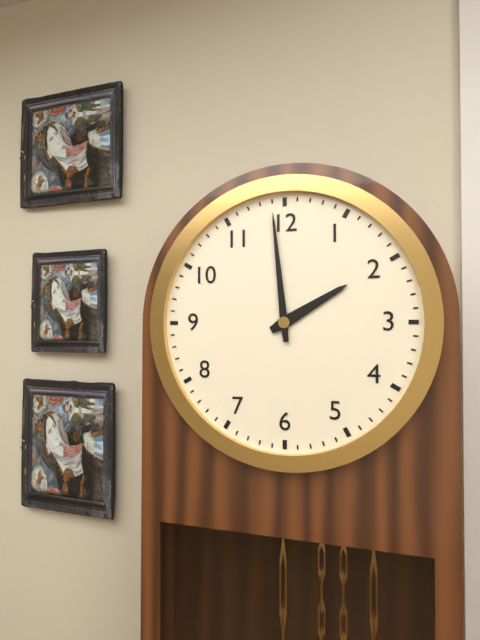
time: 1:59
